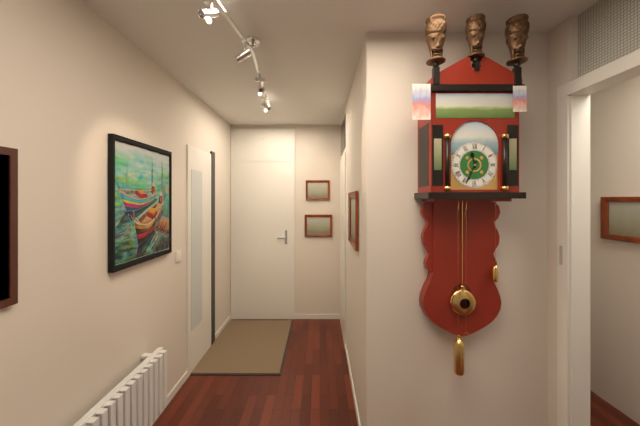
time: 11:34
